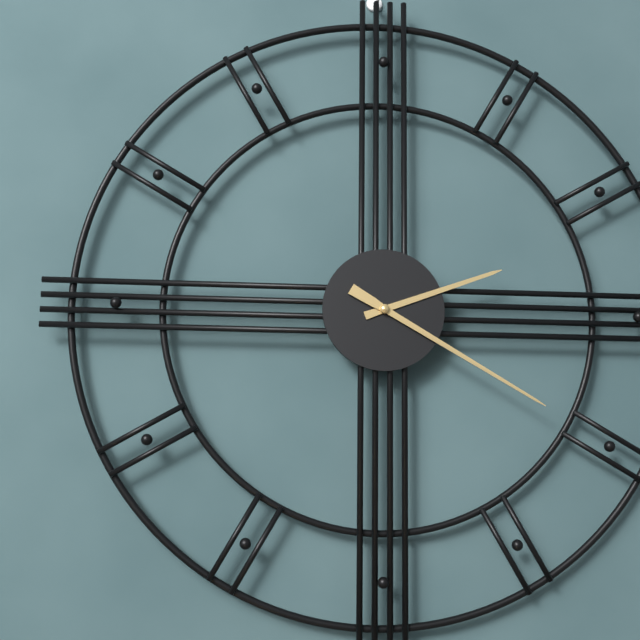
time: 2:20
